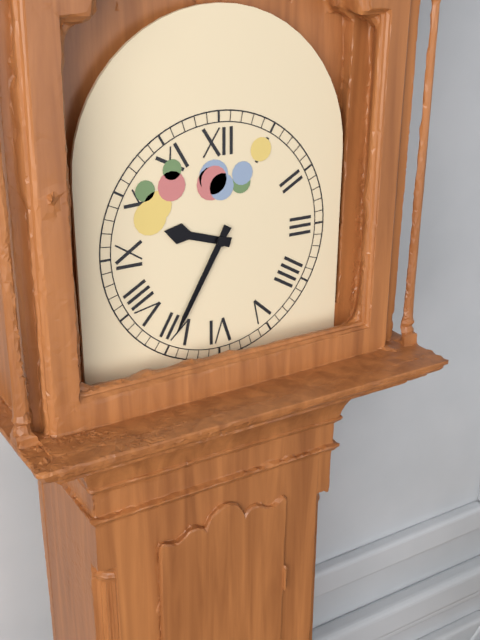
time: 9:35
